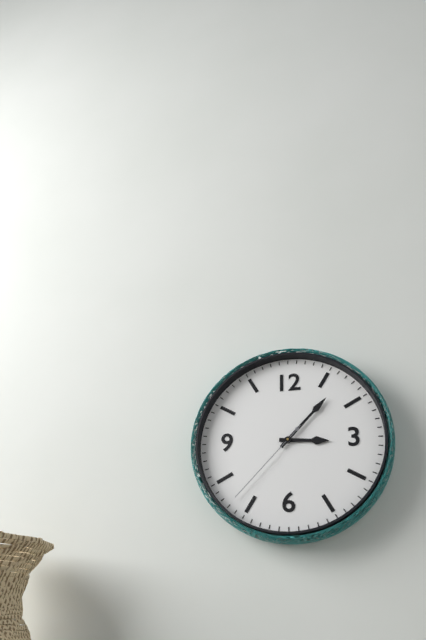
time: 3:07:37
